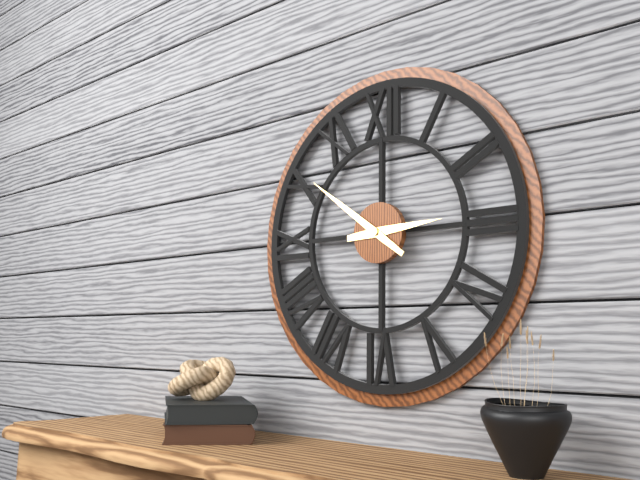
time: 2:51
